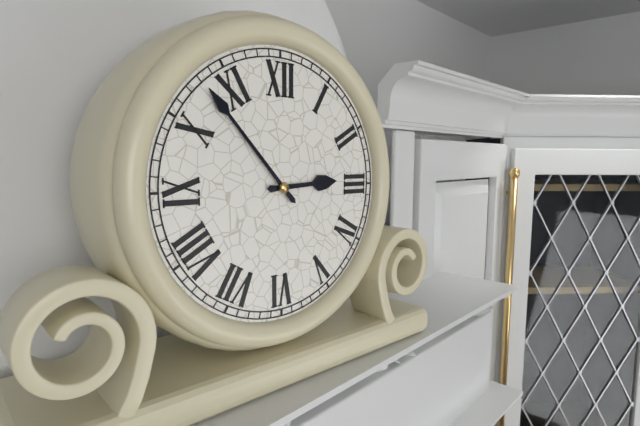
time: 2:53
